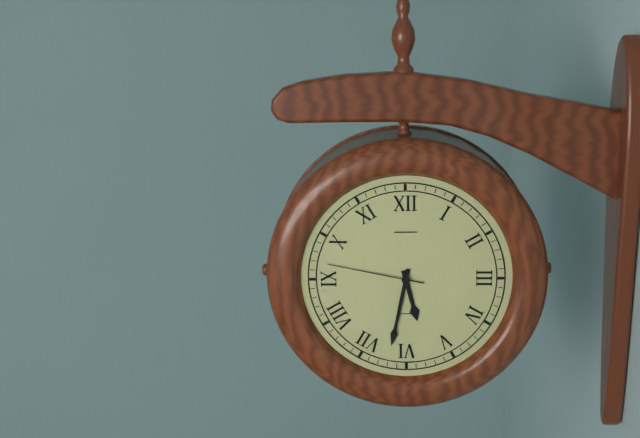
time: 5:32:47
